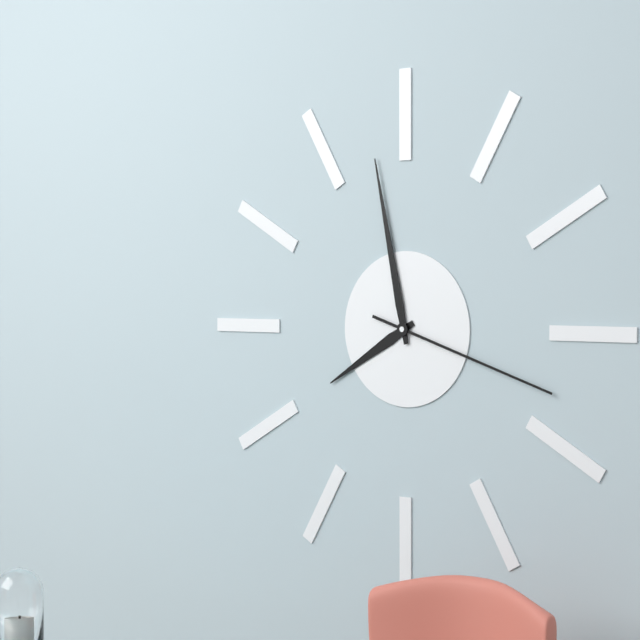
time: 7:58:18
